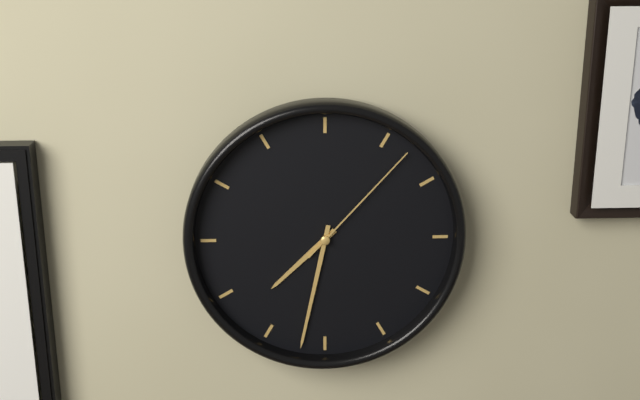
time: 7:32:07
